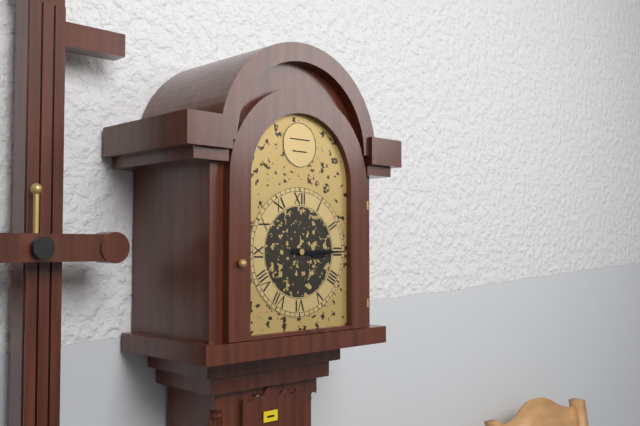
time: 3:15
